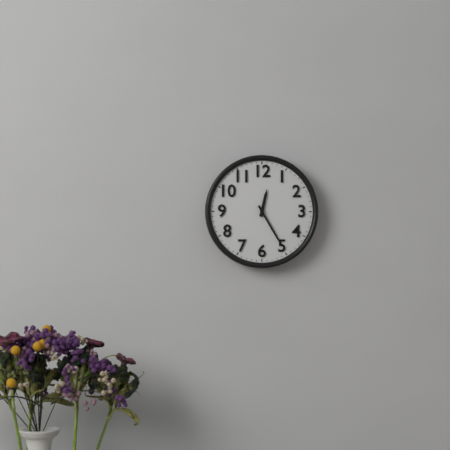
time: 12:25
